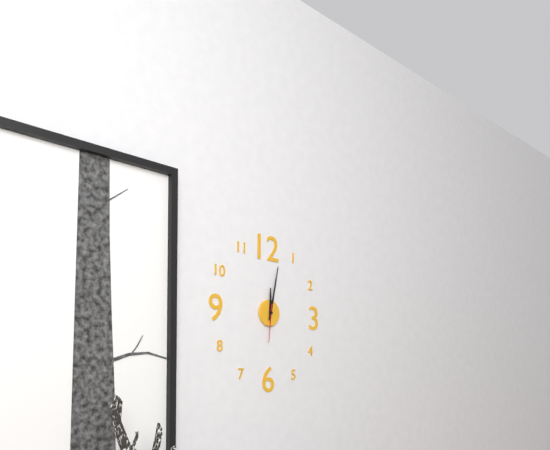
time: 12:02
